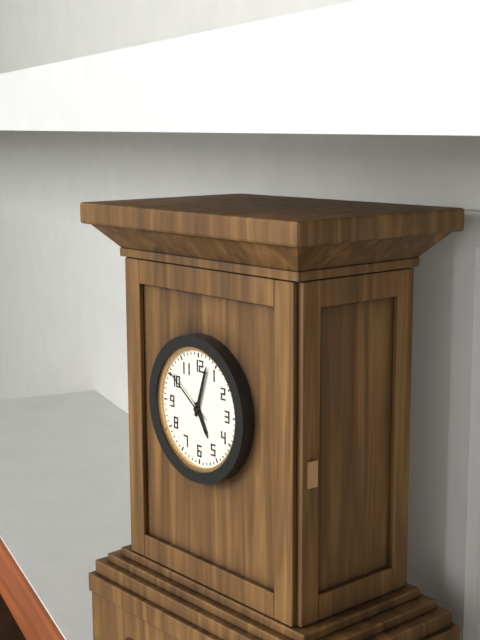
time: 5:03:51
